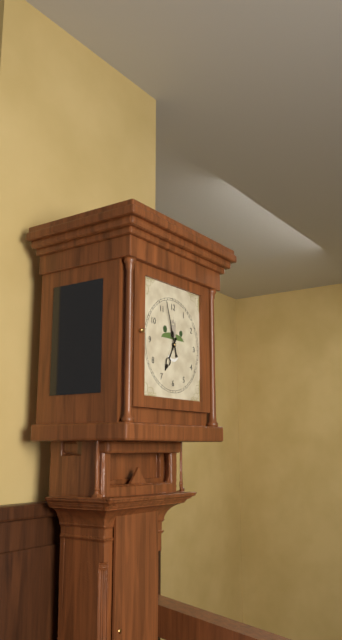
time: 6:57
